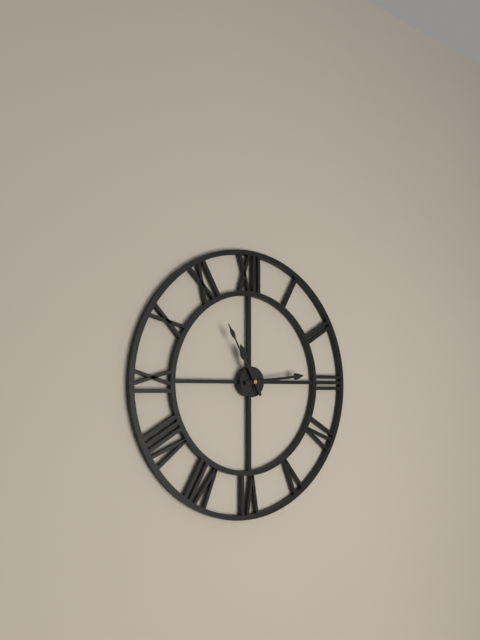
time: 11:14:55
